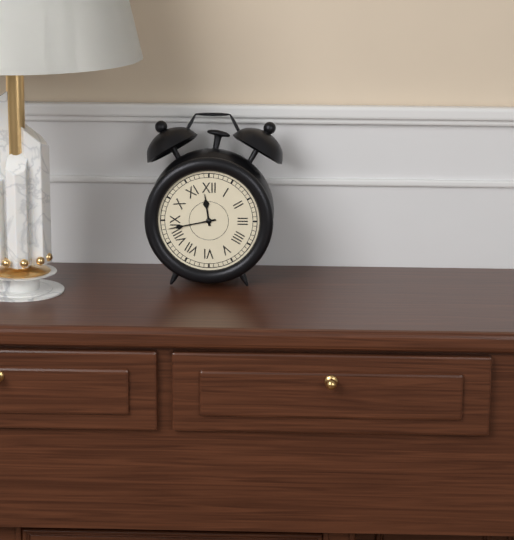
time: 11:43
